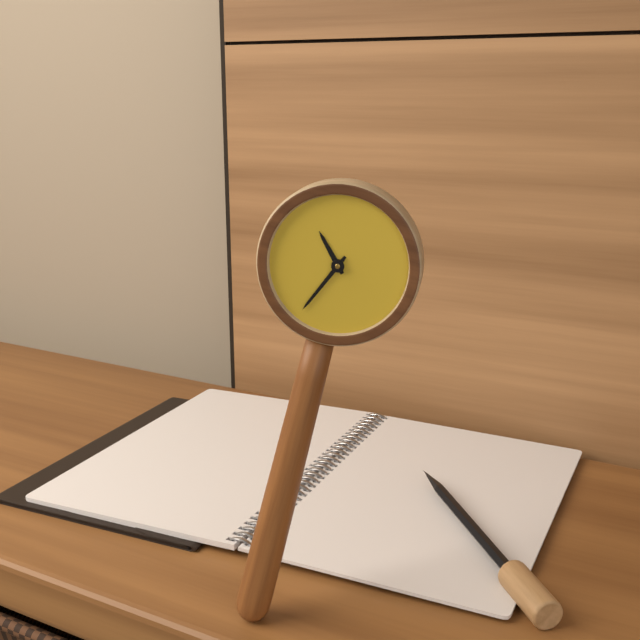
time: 10:34
